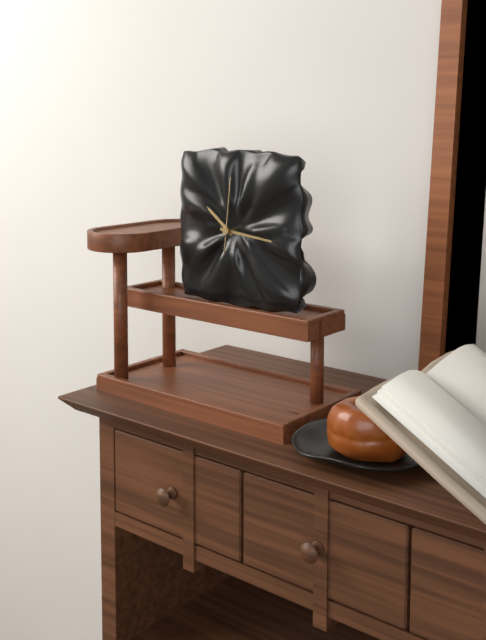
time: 10:16:01
